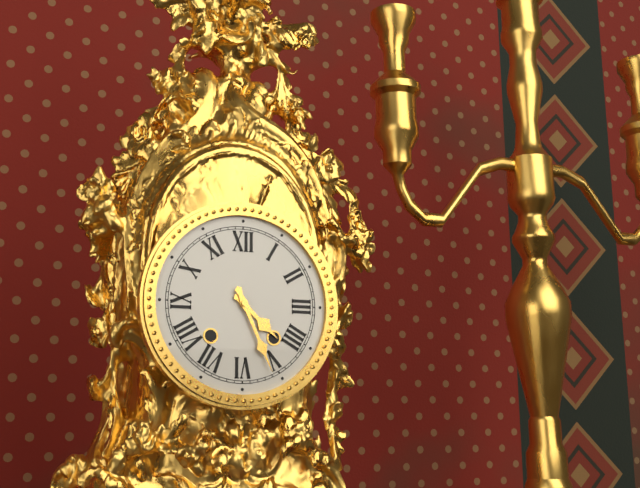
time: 4:26
